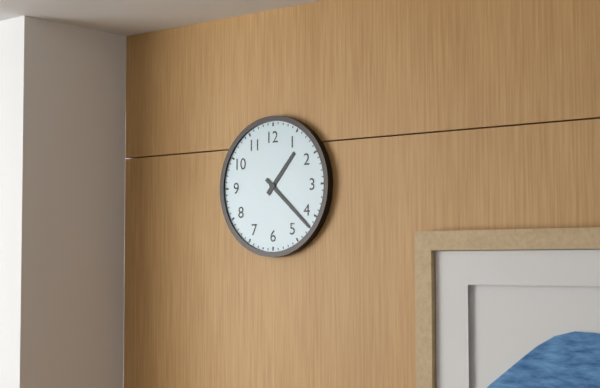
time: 1:22
